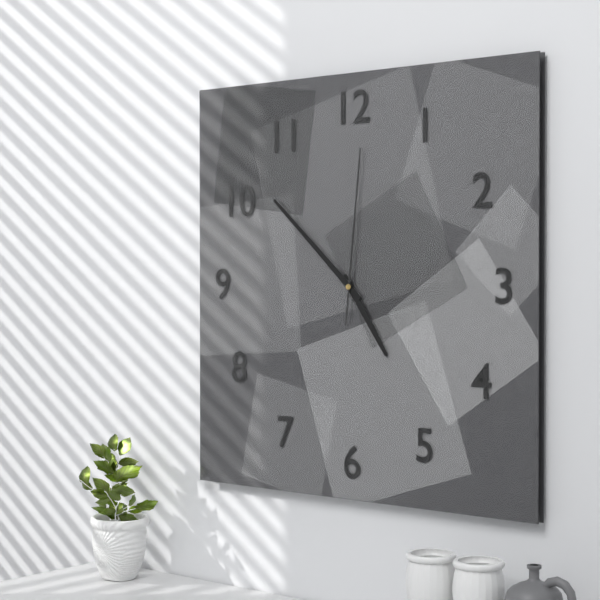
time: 4:52:01
